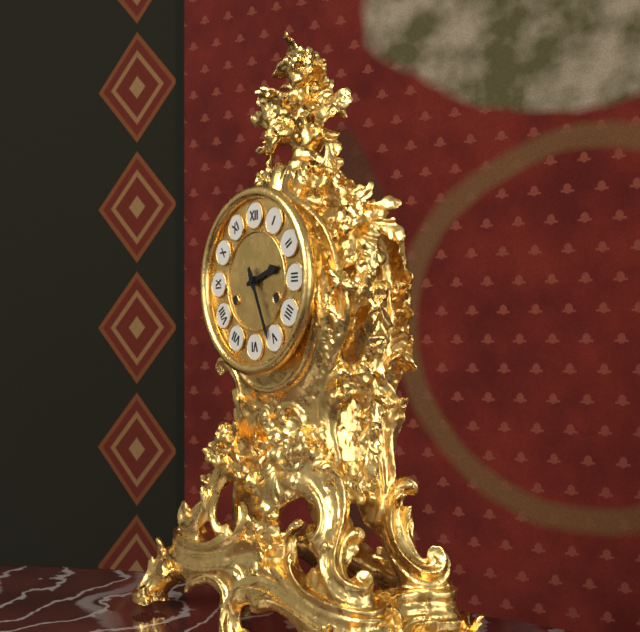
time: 2:26
